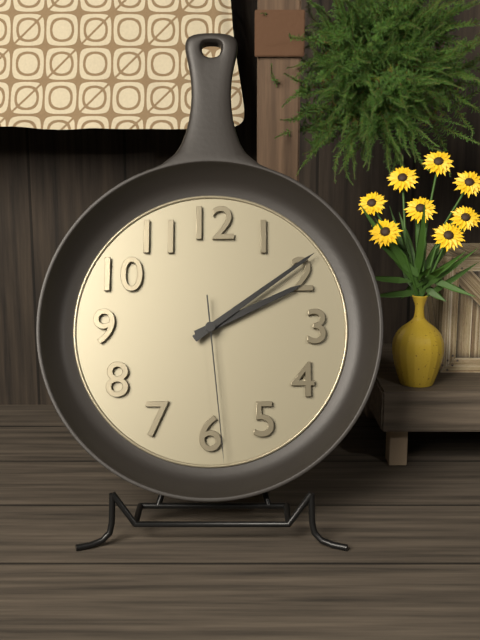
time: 2:09:29
